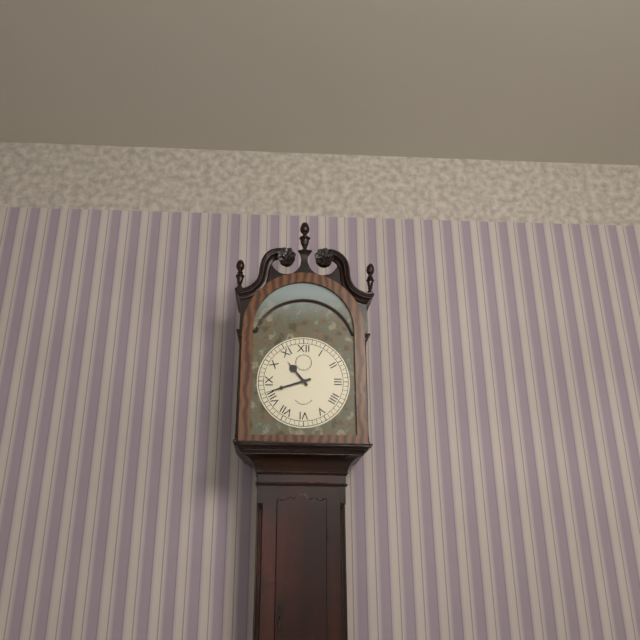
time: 10:42
